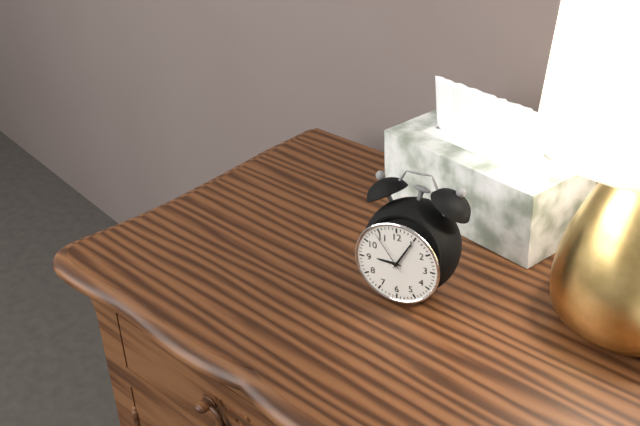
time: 9:05
